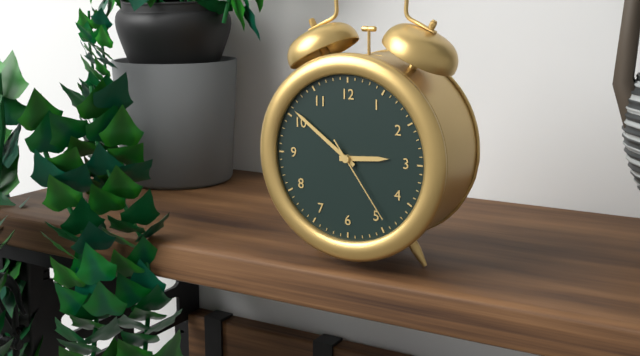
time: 2:51:24
